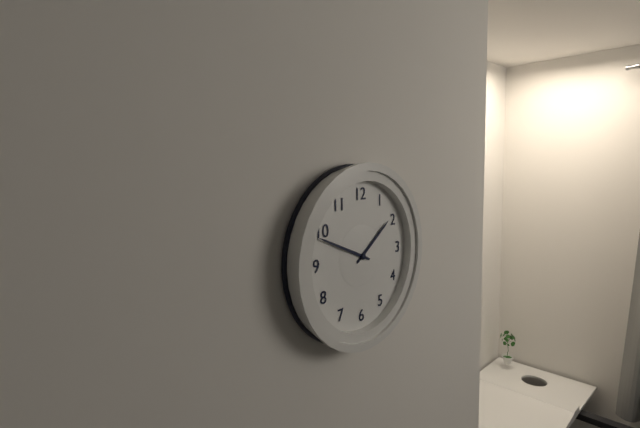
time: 1:49
